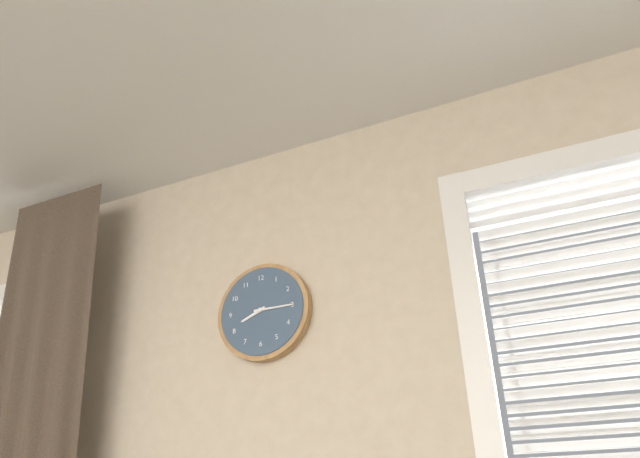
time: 8:15
